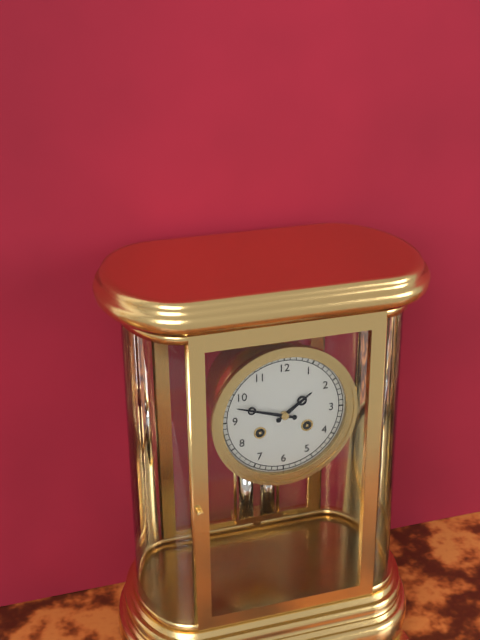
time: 1:48
